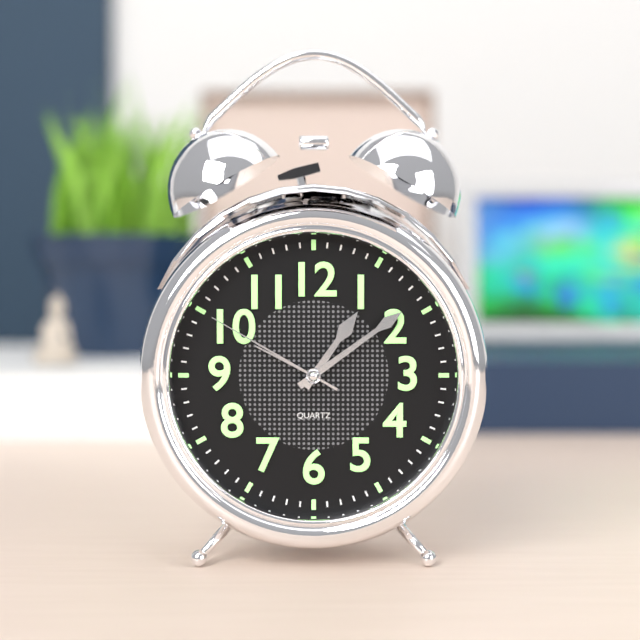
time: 1:09:50
